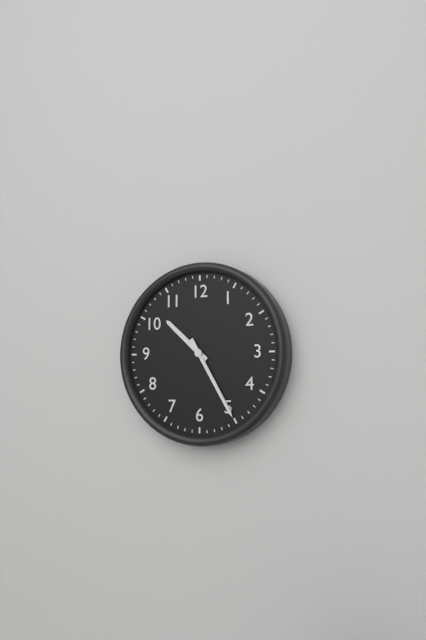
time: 10:25
